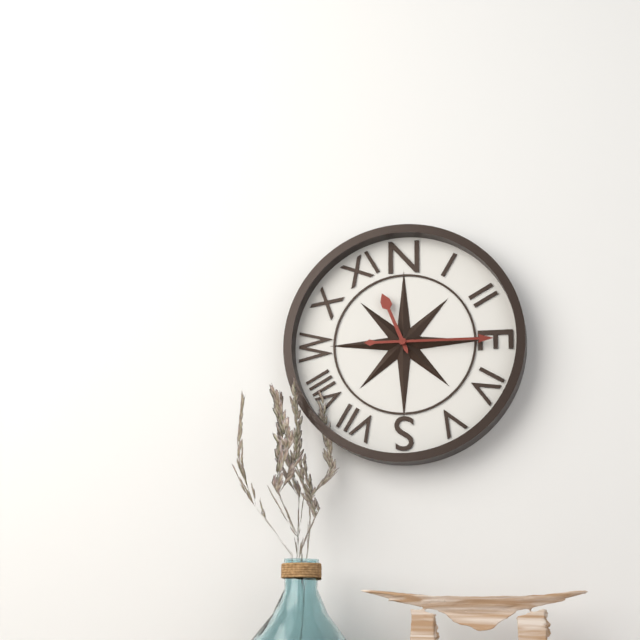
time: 11:15
